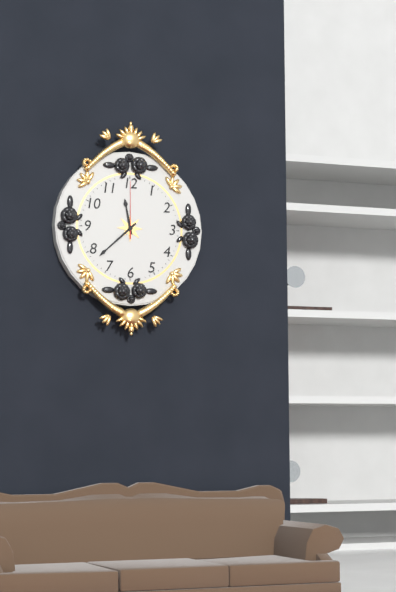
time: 11:38:00
